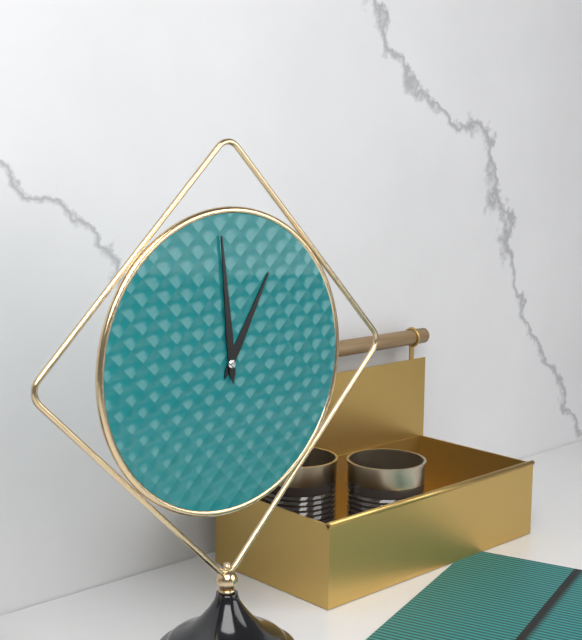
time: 12:59
